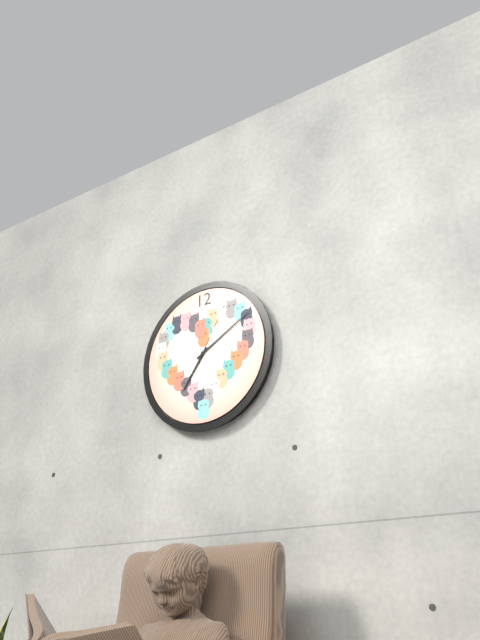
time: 7:10:05
